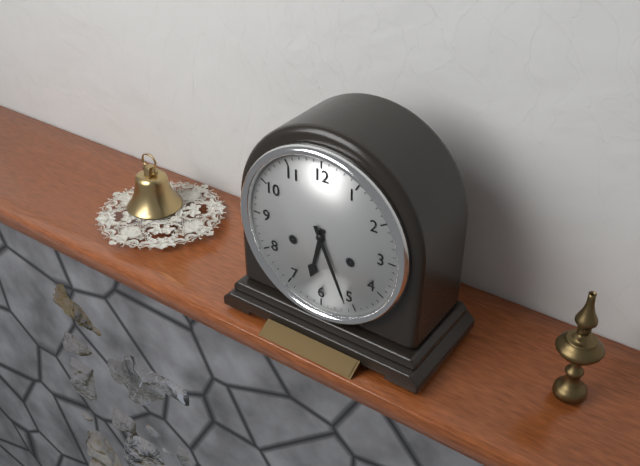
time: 6:26
